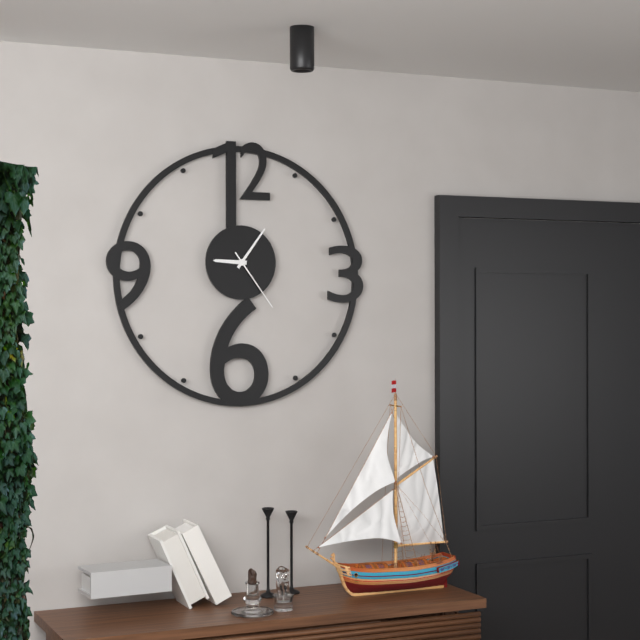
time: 9:06:24
